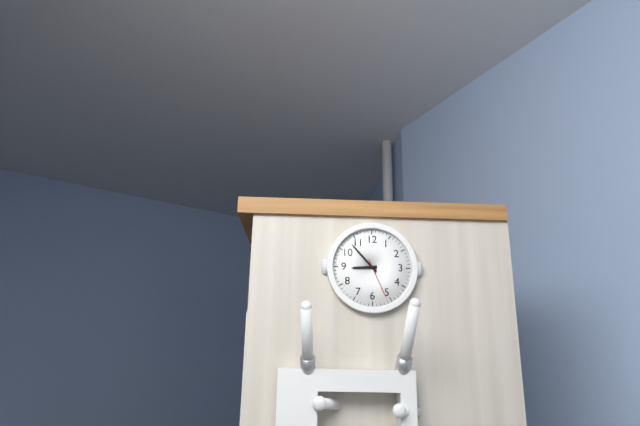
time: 8:53
